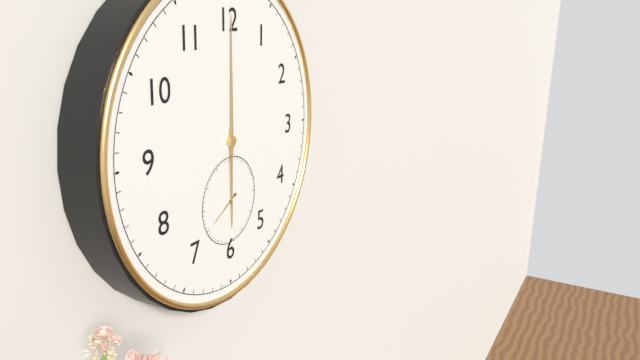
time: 6:00
